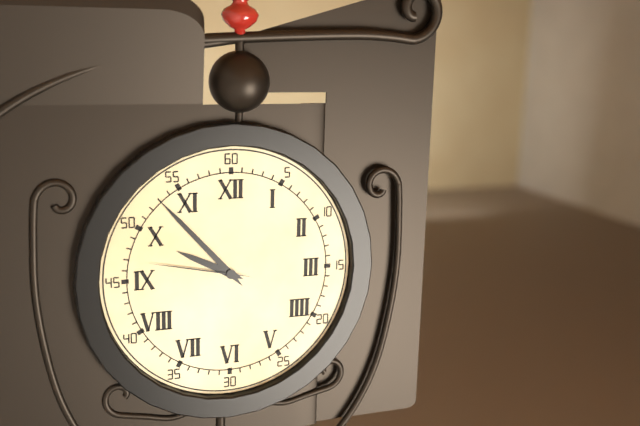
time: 9:53:47
